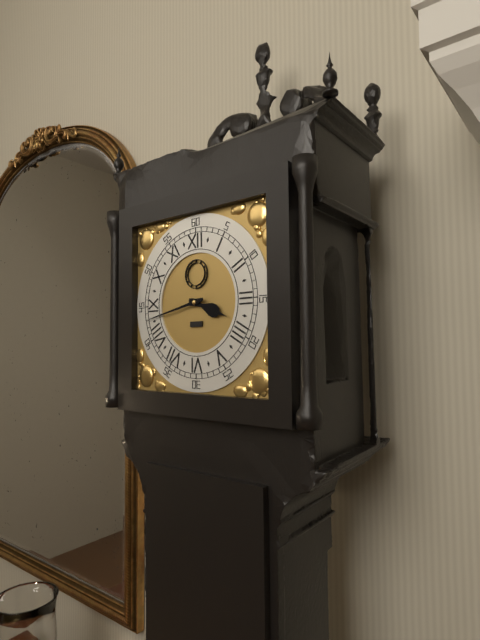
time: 3:43
